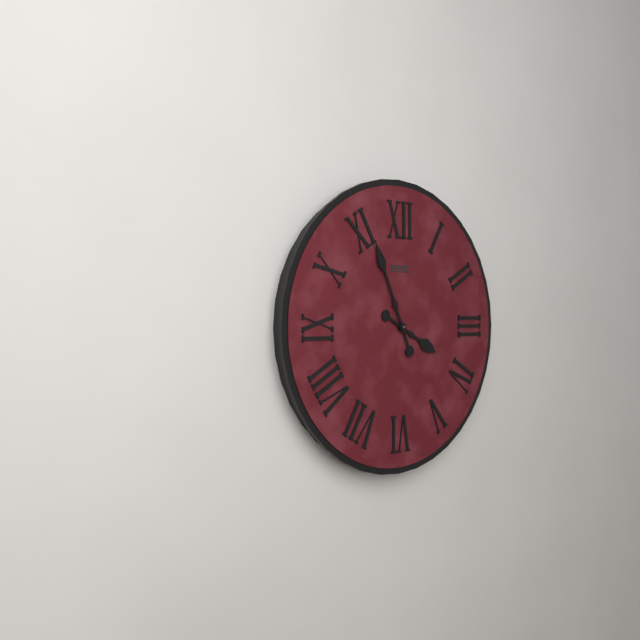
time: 3:56
